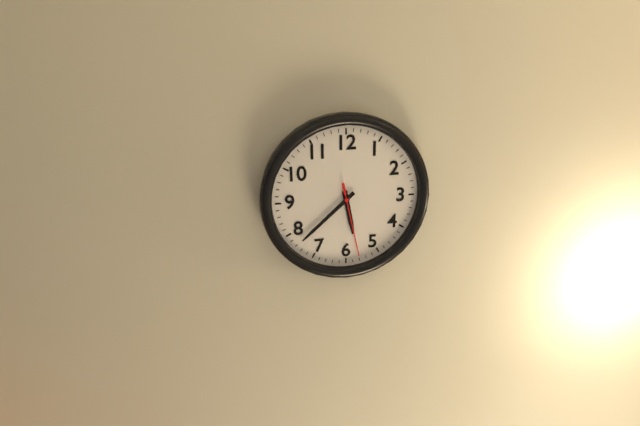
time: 5:38:28
